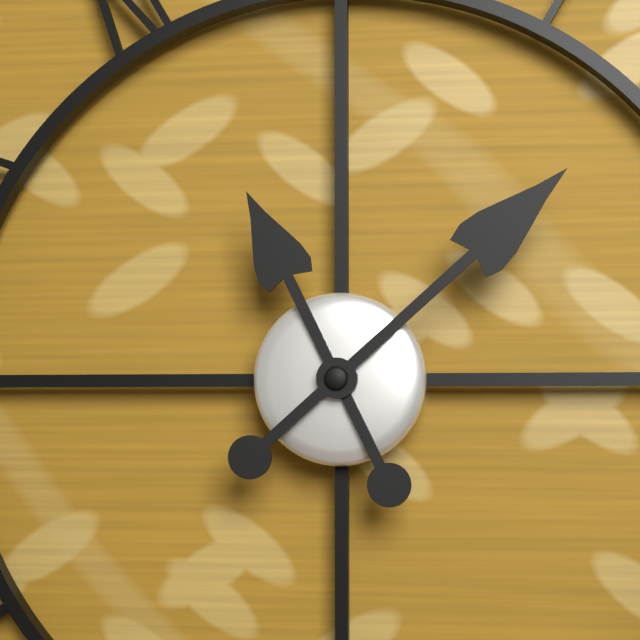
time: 11:08
